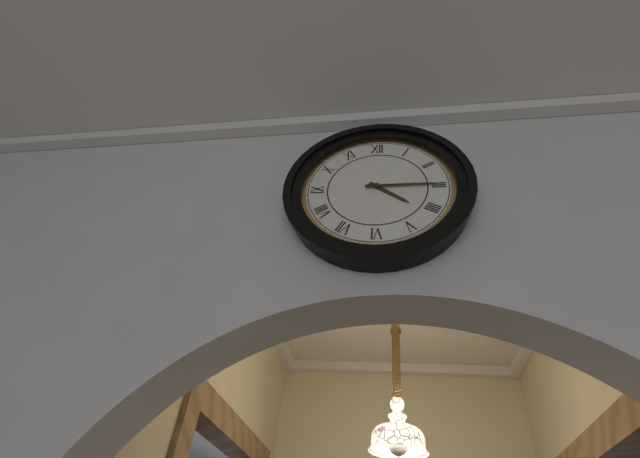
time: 4:15
